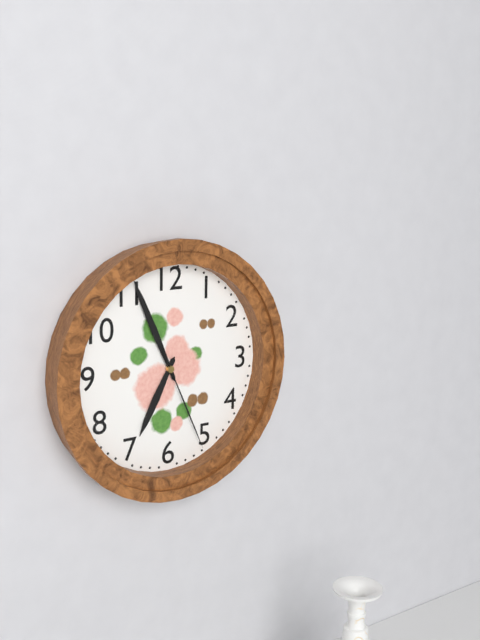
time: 6:56:26
